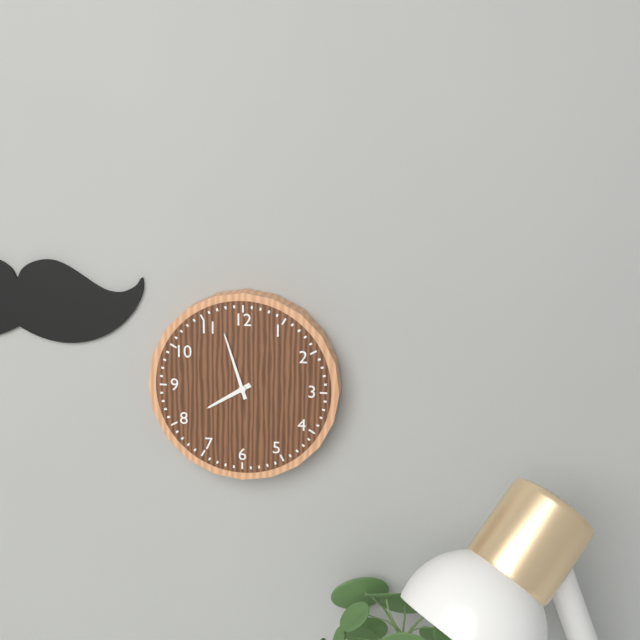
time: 7:57
